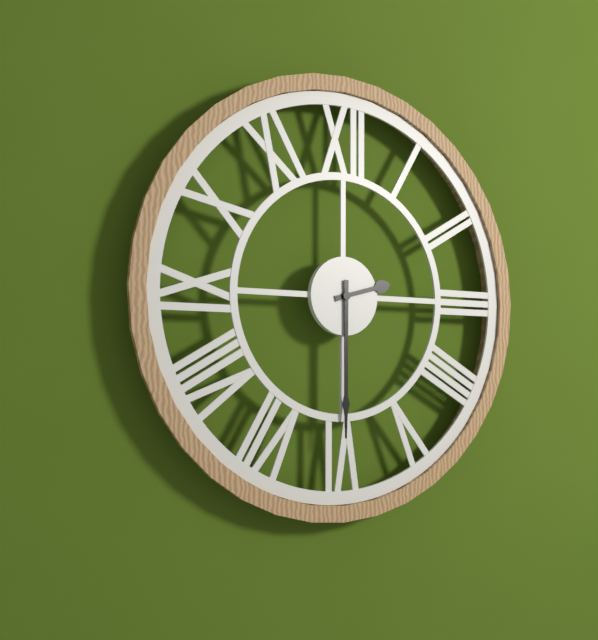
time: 2:30
